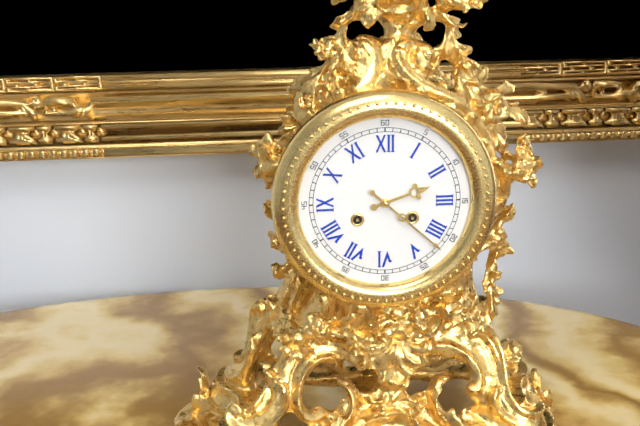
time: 2:22
